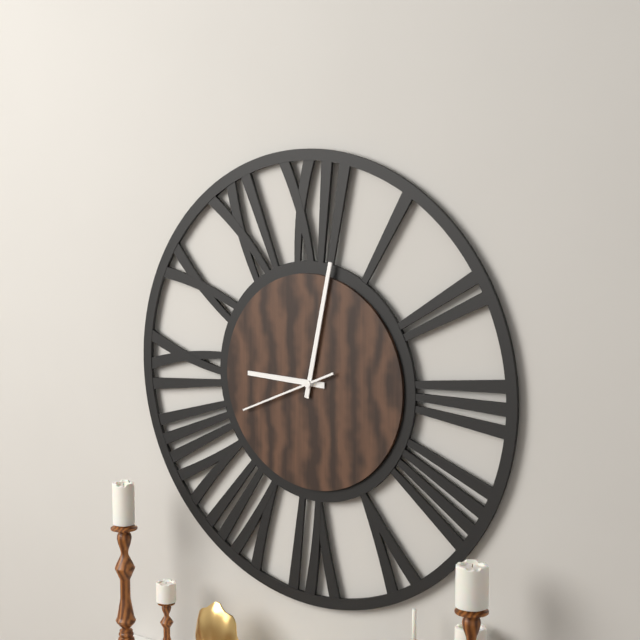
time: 9:02:41
